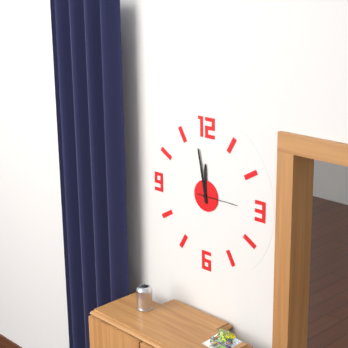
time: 11:58
